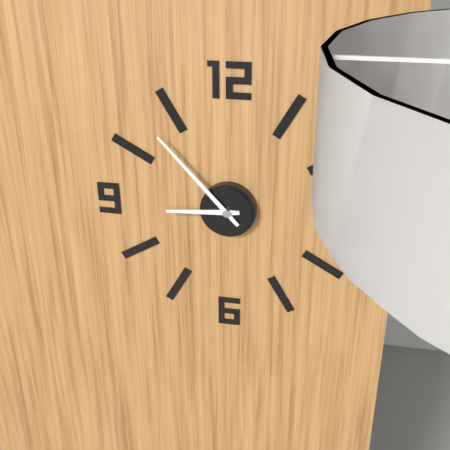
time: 8:53
